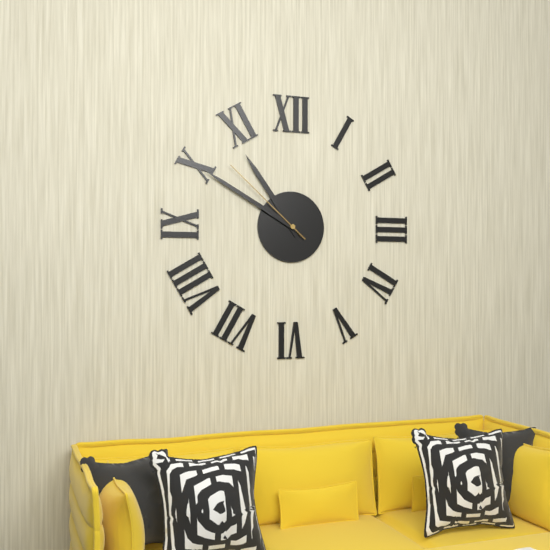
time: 10:50:52
